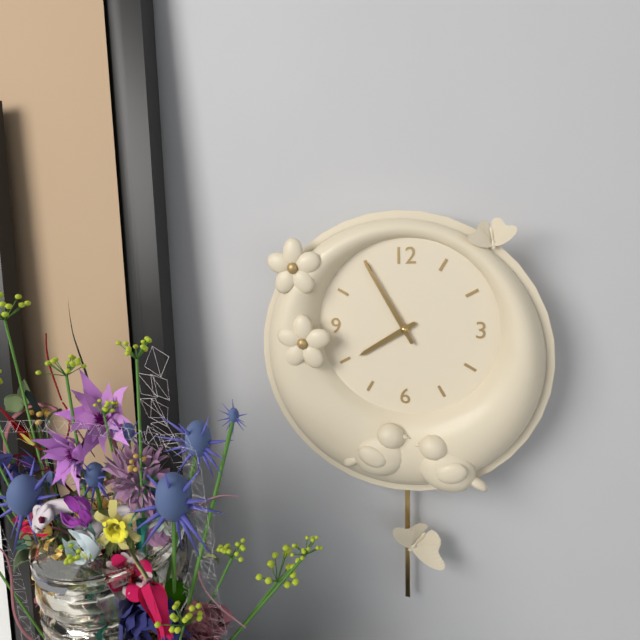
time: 7:55
